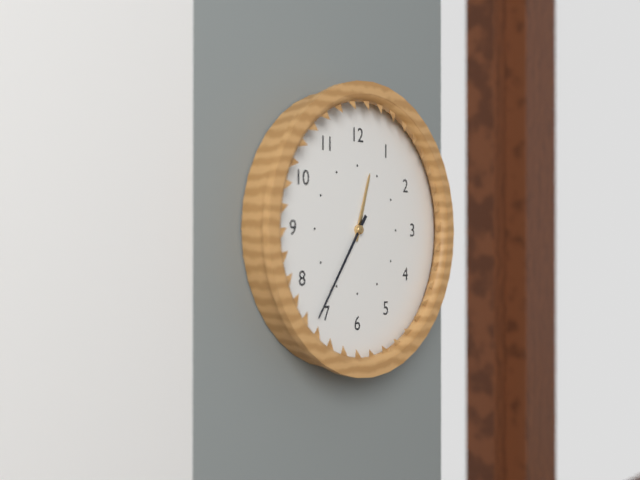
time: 12:36
